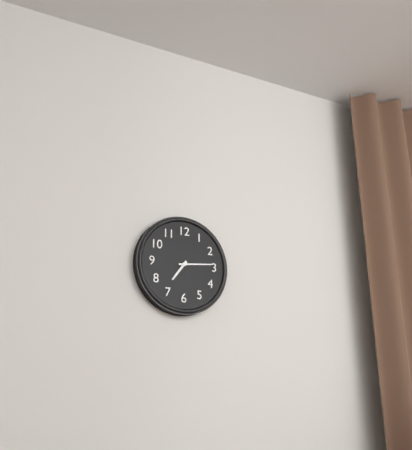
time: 7:14
